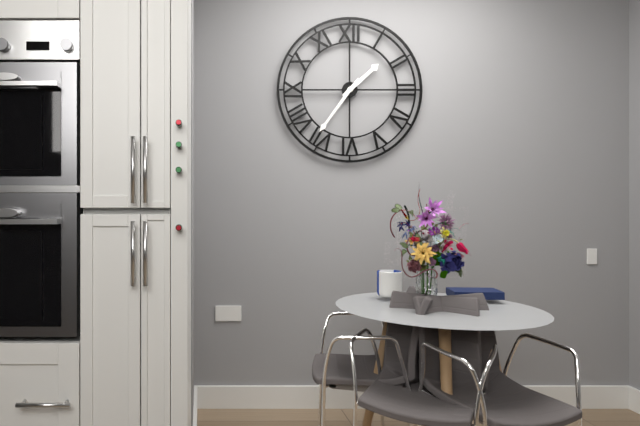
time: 1:36
